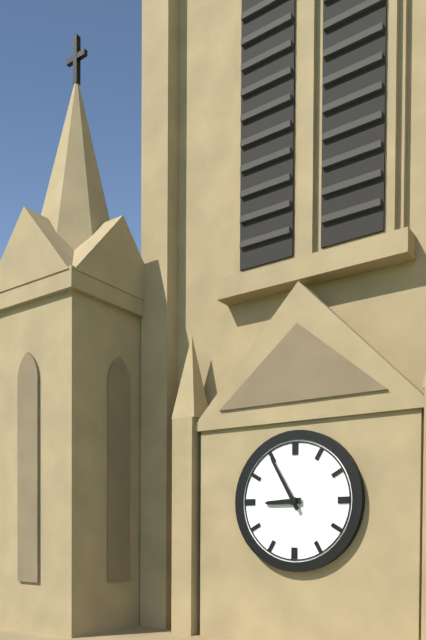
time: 8:55
